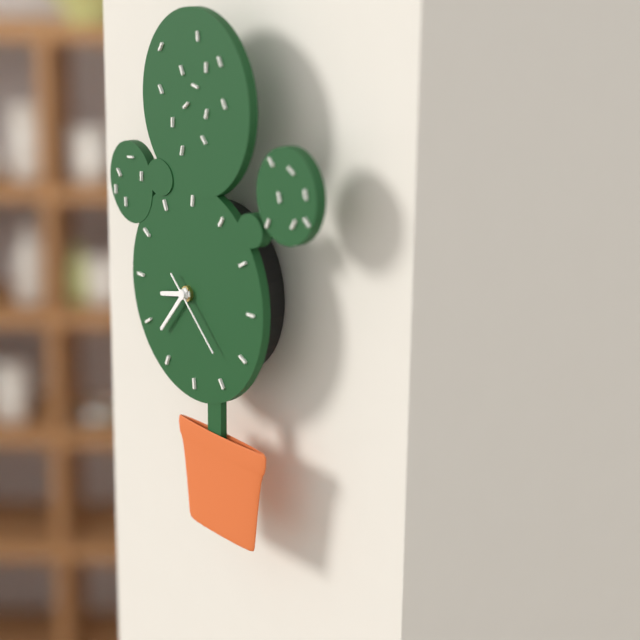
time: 8:37:22
